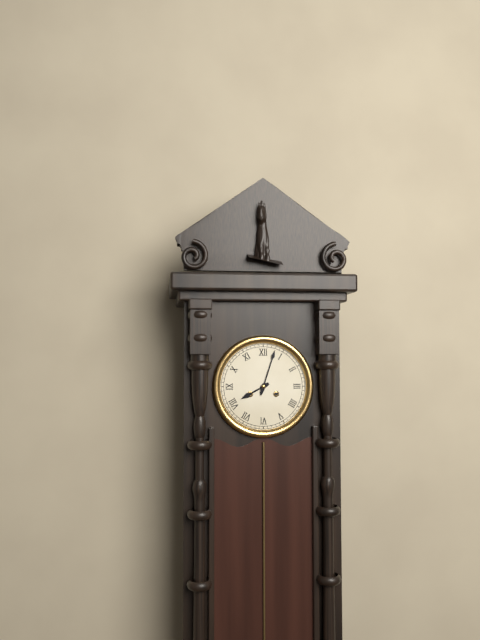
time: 8:03
